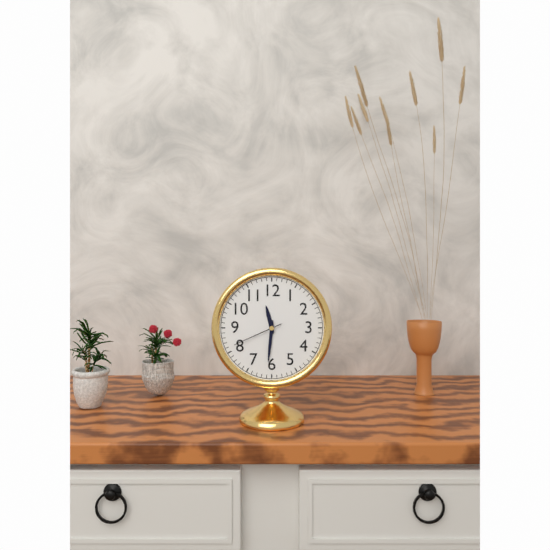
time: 11:31:41
